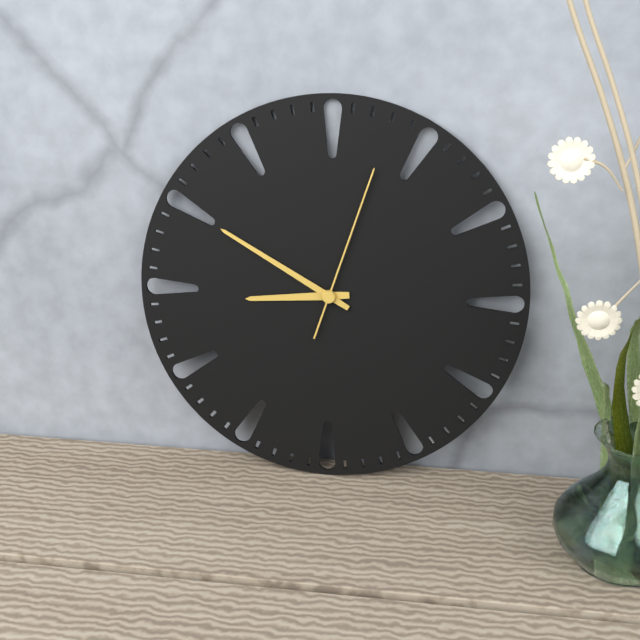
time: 8:50:03
